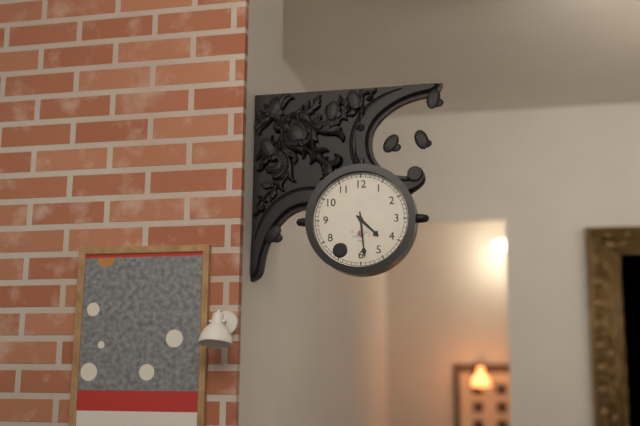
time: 4:29
